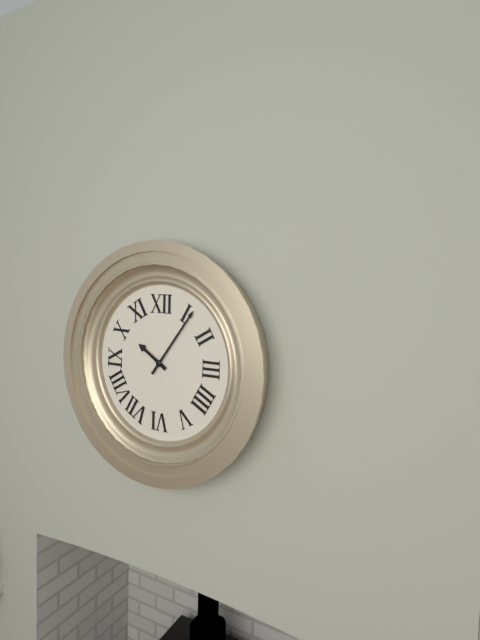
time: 10:06
